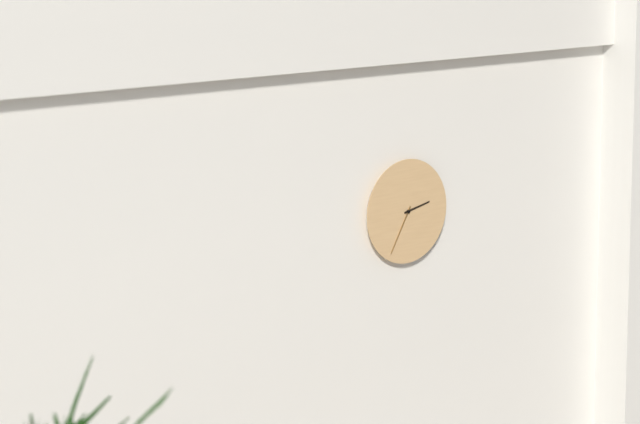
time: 2:35
